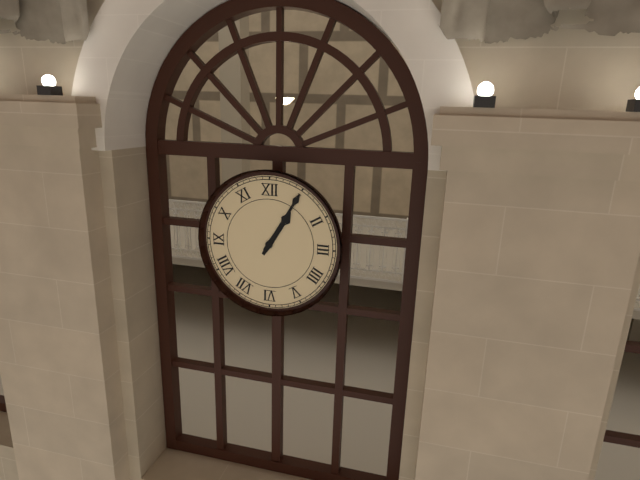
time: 1:05
